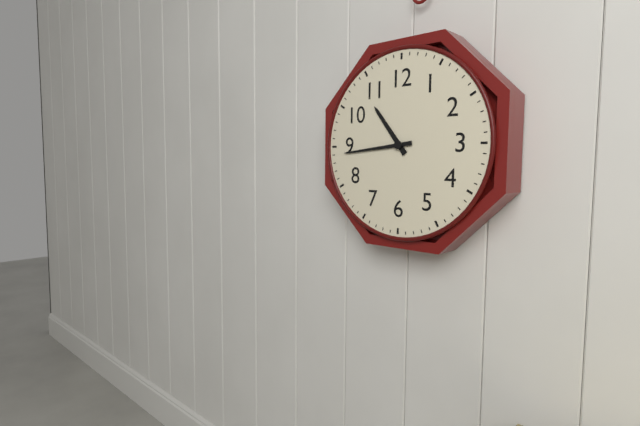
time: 10:44
